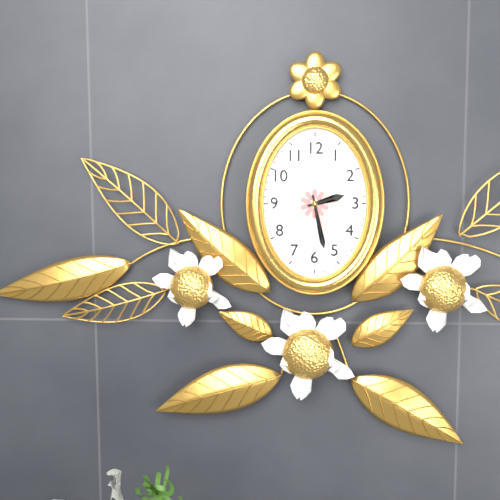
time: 2:28
